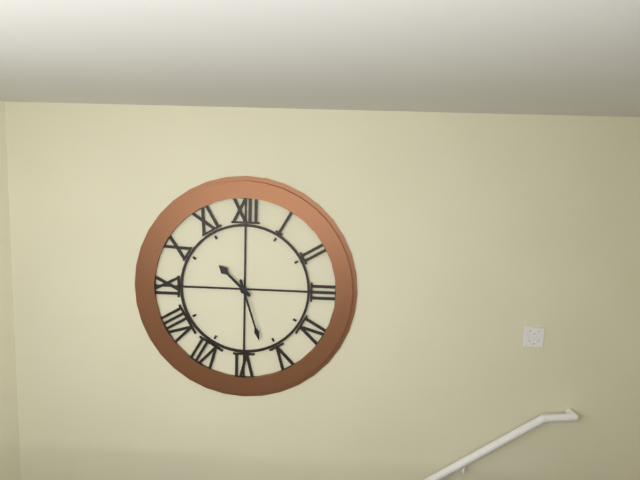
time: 10:27
